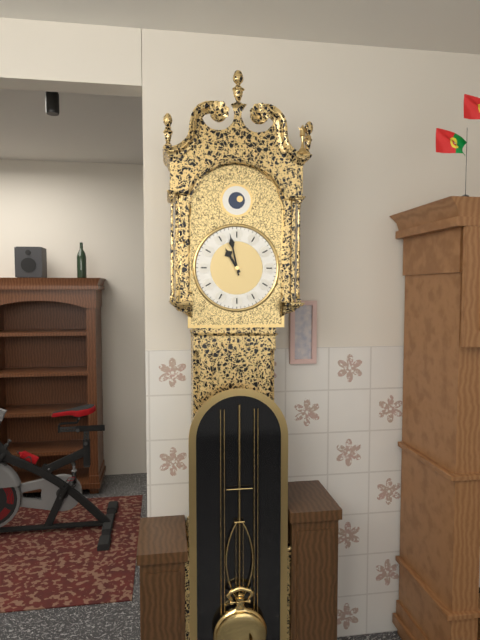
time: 10:58
